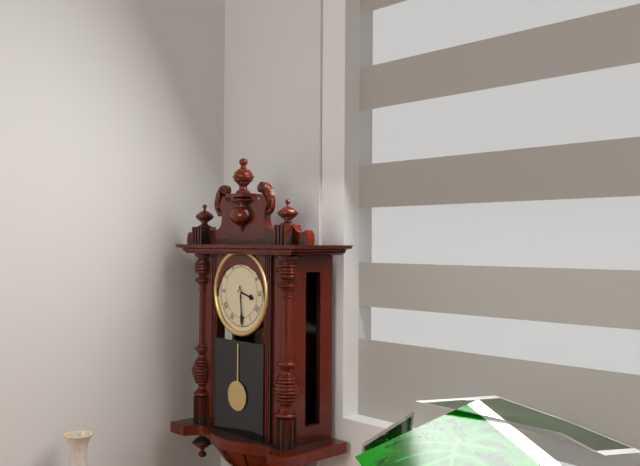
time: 3:29
